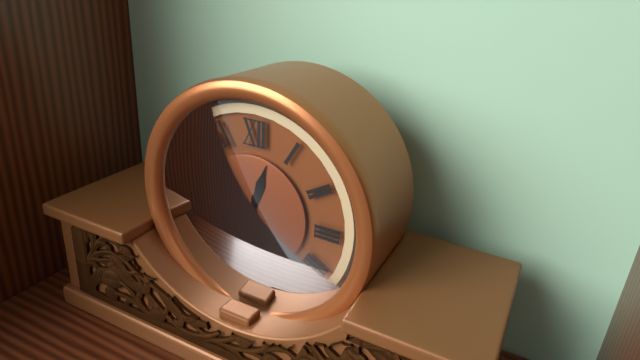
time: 12:31
